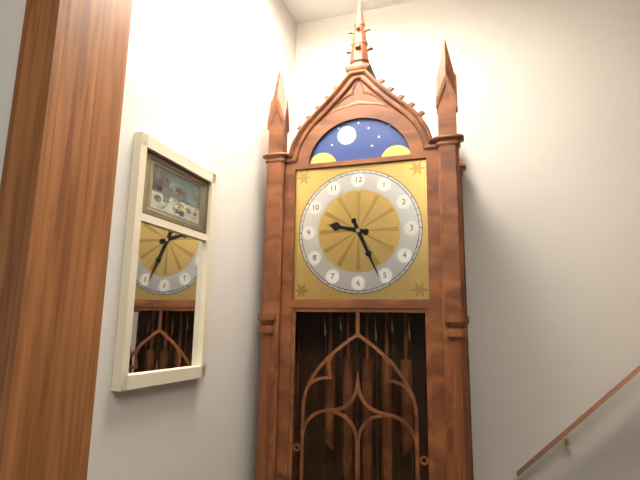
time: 9:26
